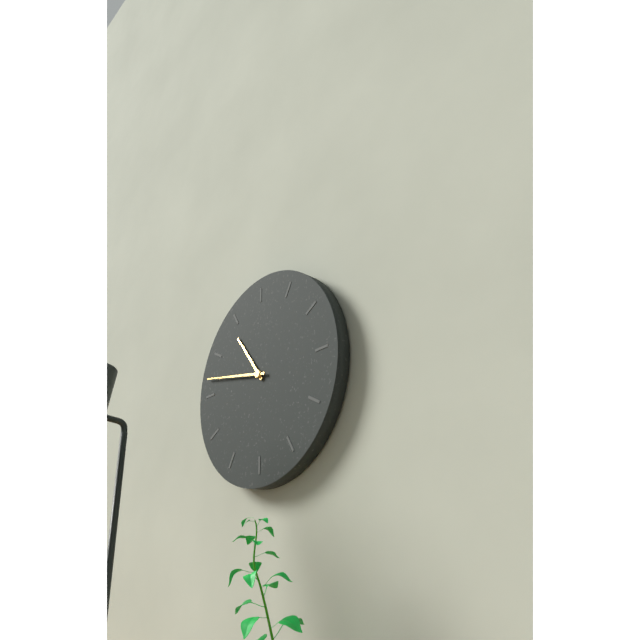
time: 10:47
